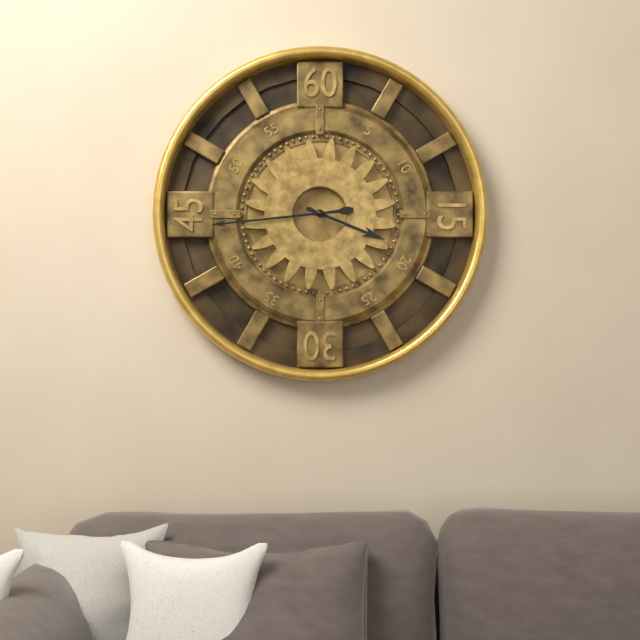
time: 3:44
